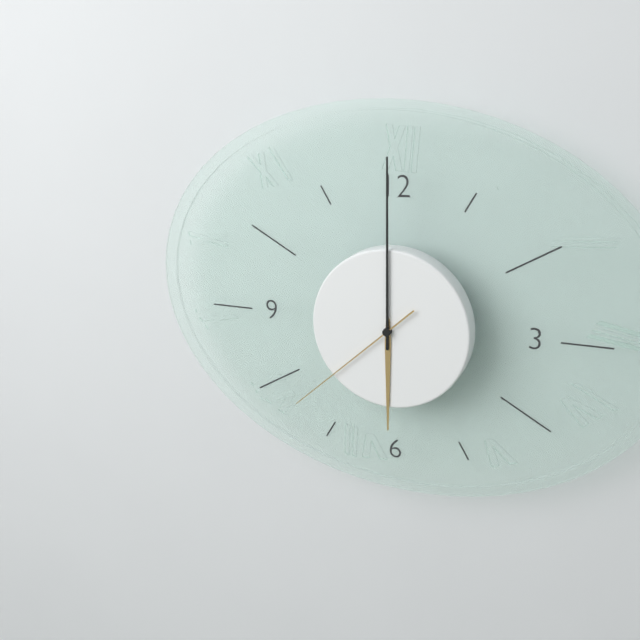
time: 6:00:38
